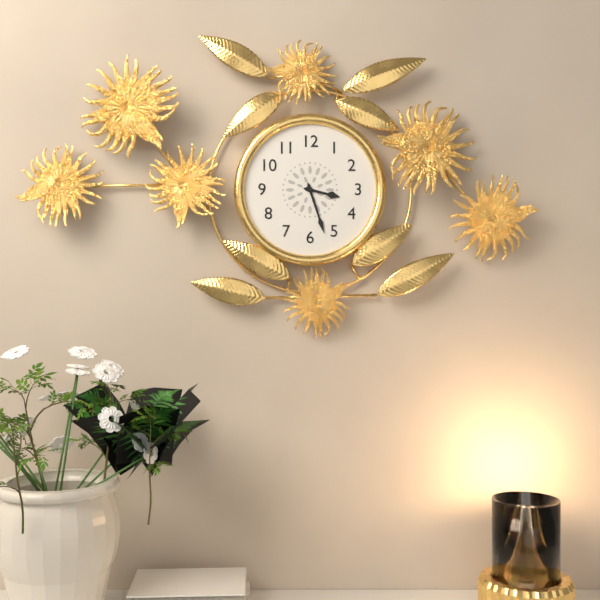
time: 3:27
